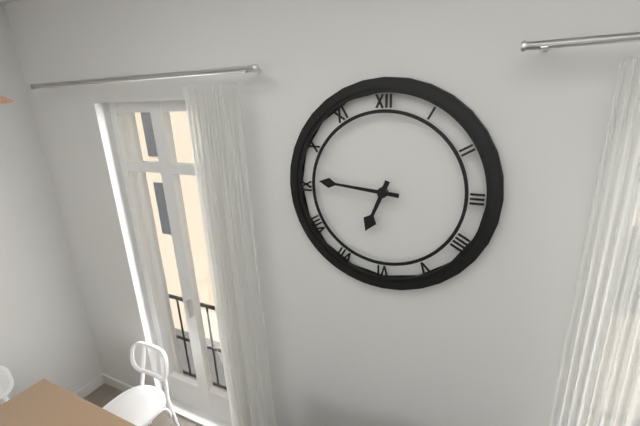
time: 6:46
